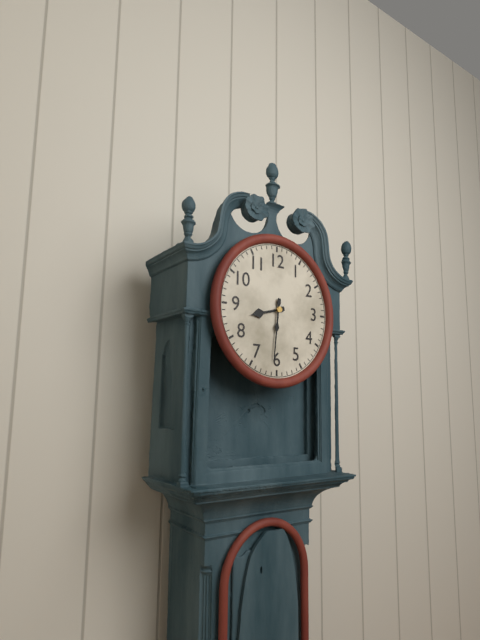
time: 8:31
